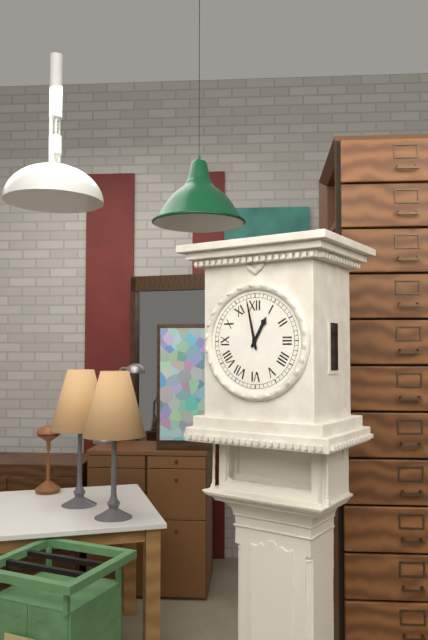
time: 12:58
